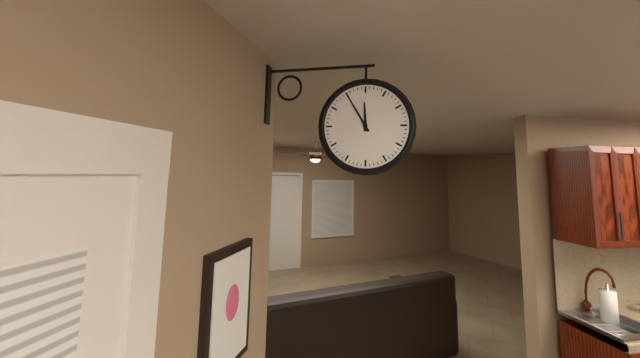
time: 11:55
